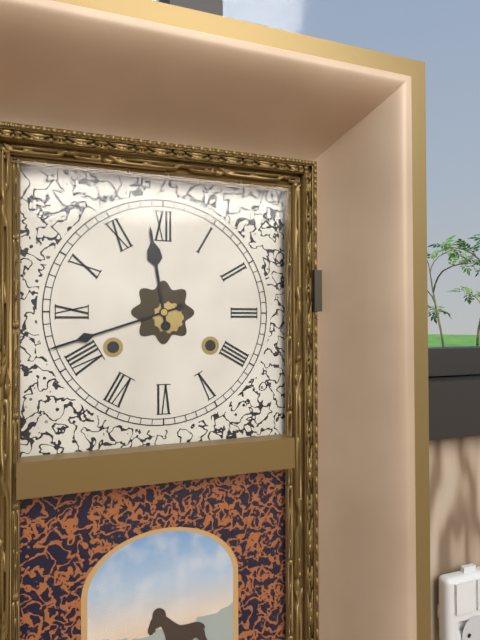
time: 11:42
